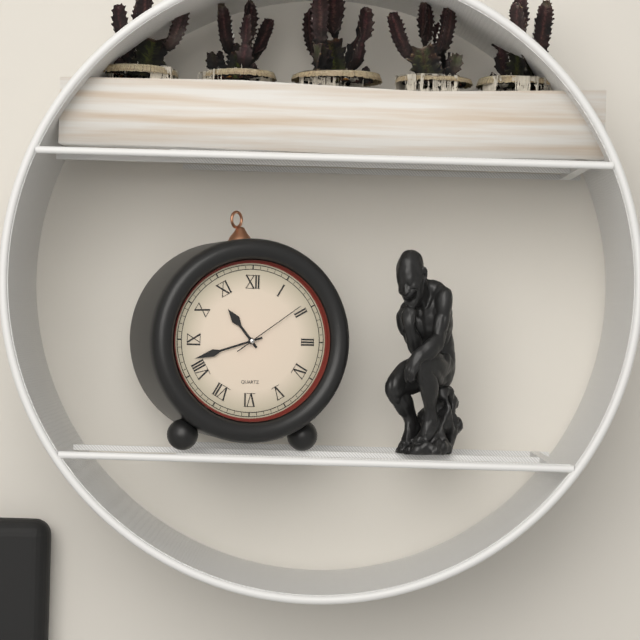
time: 10:42:09
